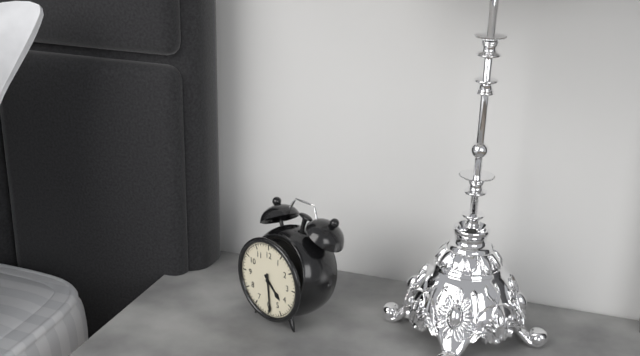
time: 4:29
